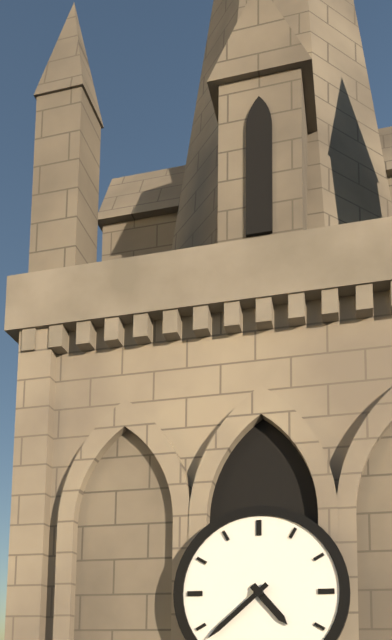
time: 4:38
